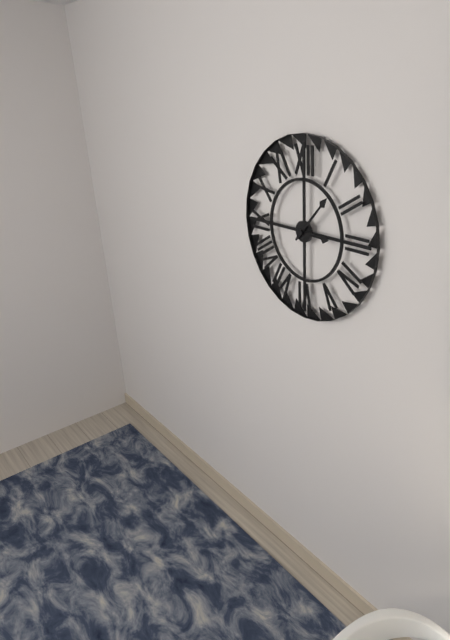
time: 3:07
